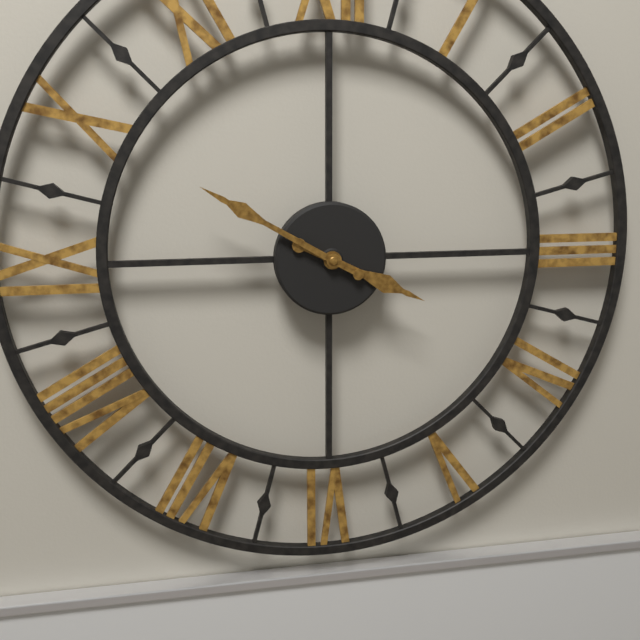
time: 3:50
